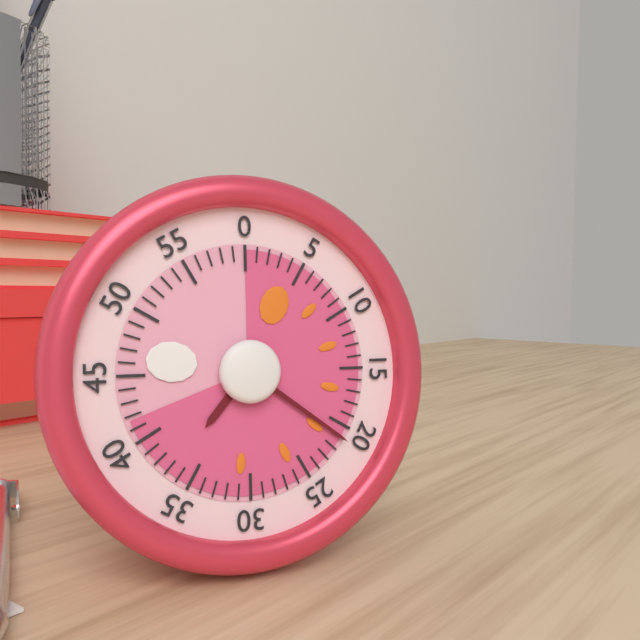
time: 7:21
